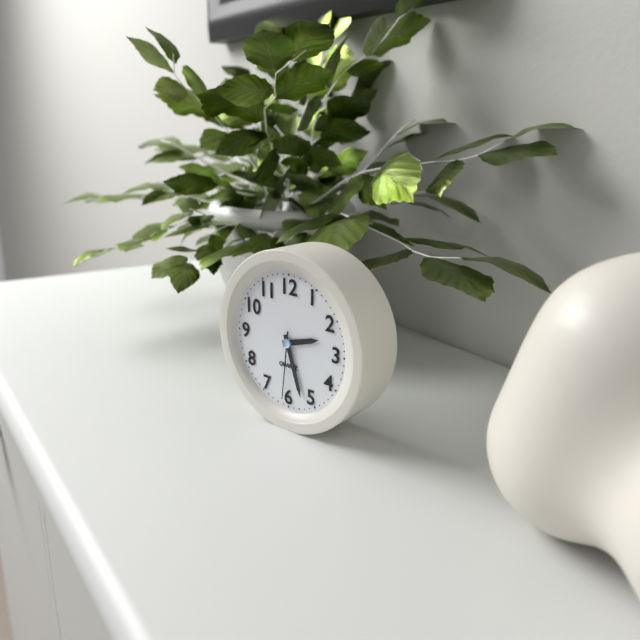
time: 2:27:31
